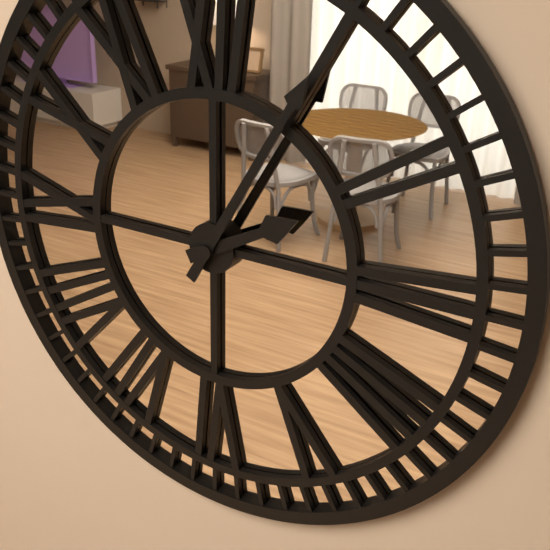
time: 2:05
